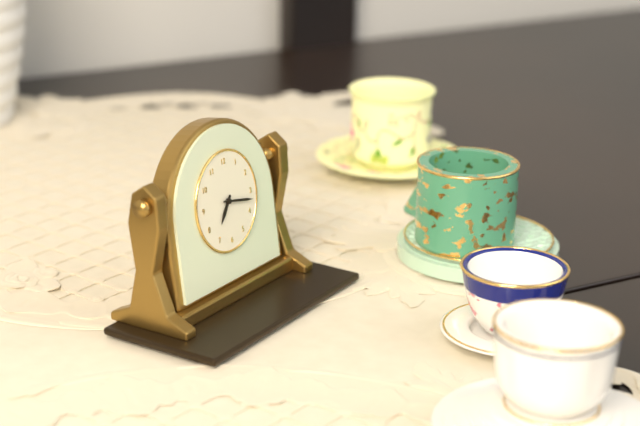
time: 7:17
